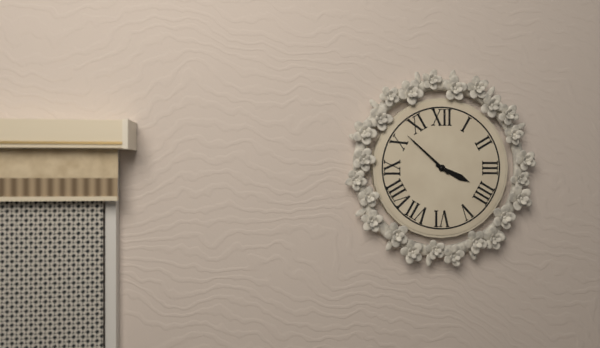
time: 3:52
